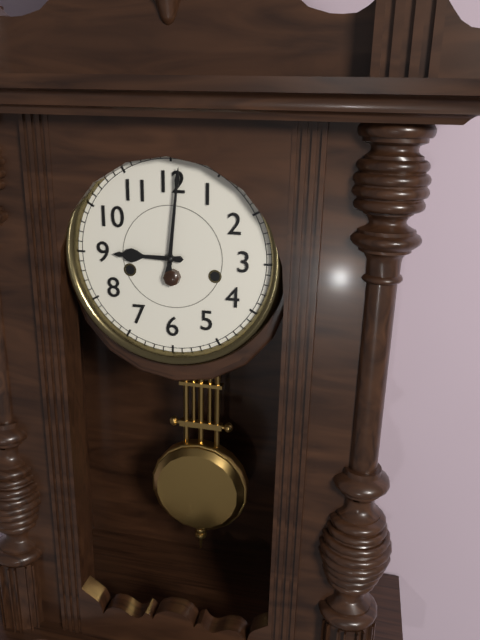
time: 9:01
